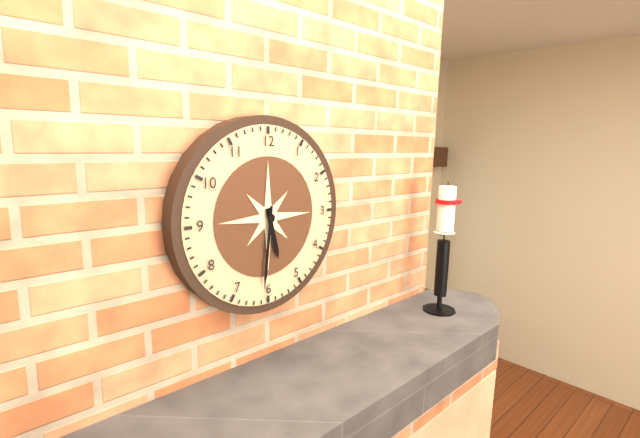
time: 5:31
